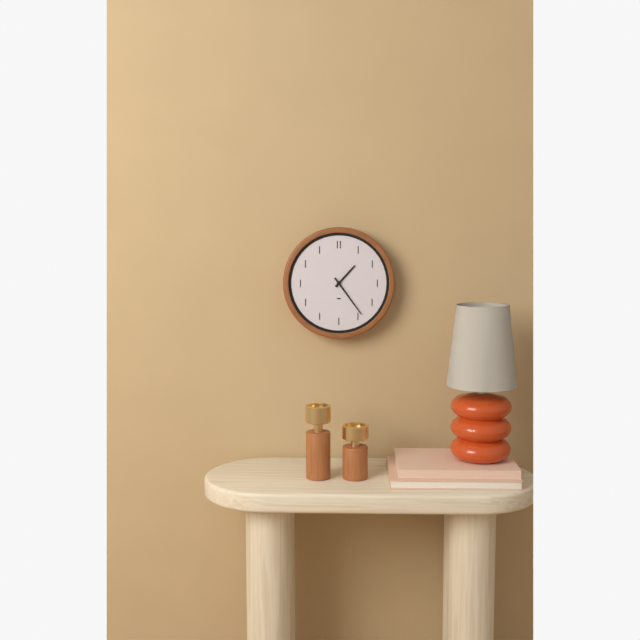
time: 1:24
